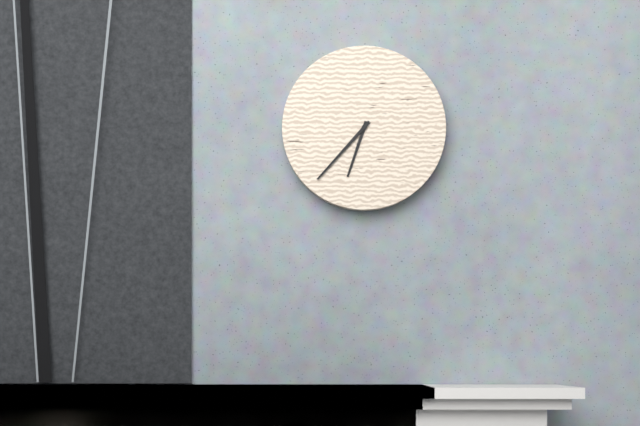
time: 6:37
